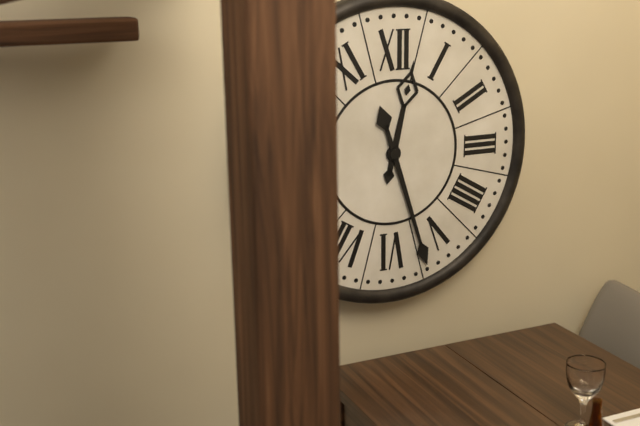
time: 12:27
